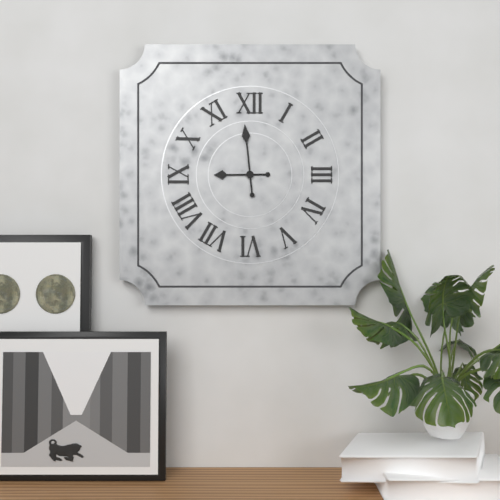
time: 8:59
